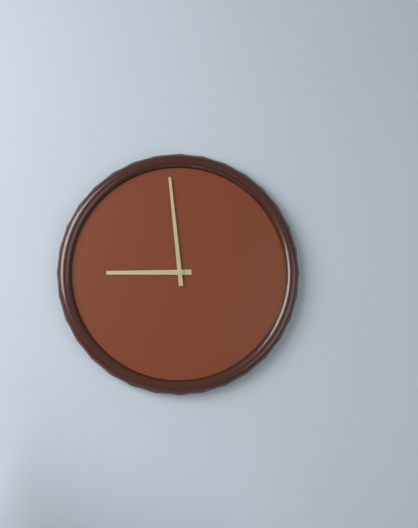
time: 8:59
